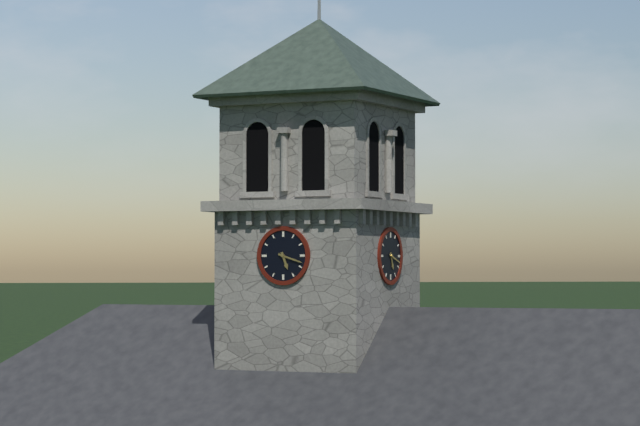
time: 5:18
